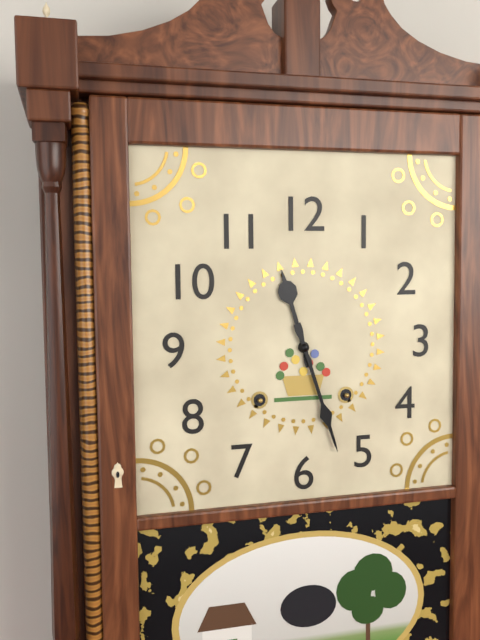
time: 11:27
